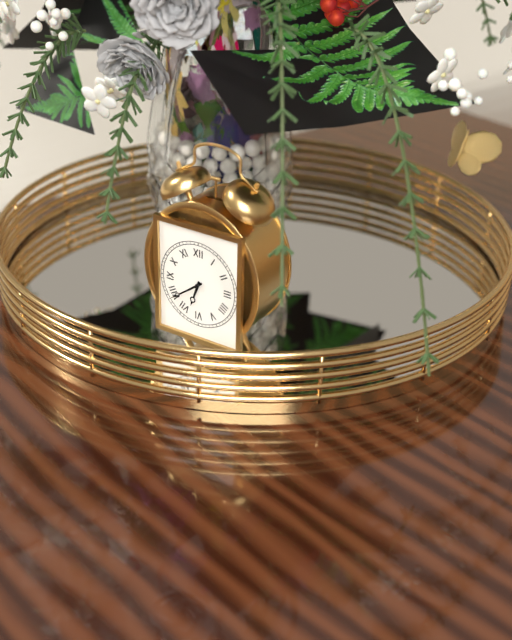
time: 6:39
